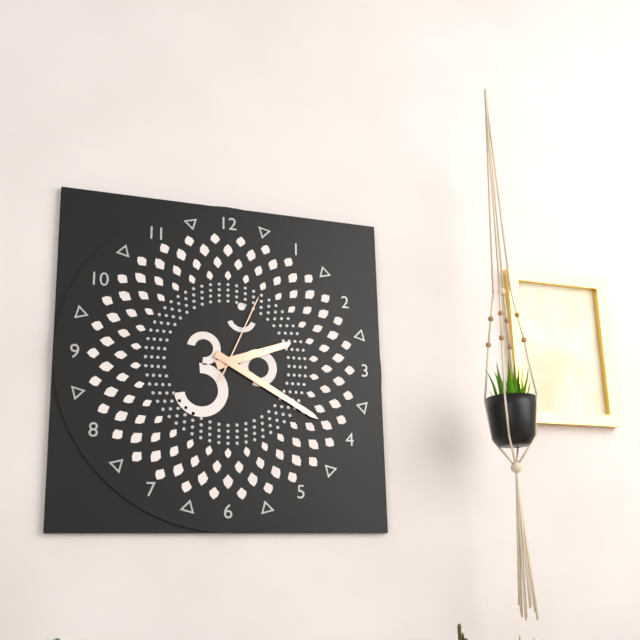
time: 2:20:04
